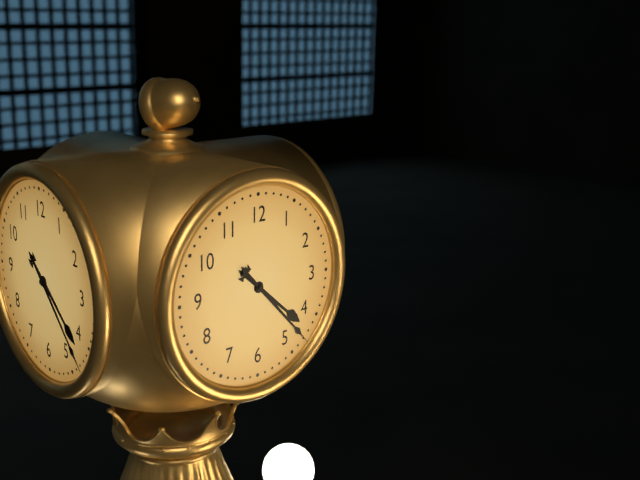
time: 4:23
